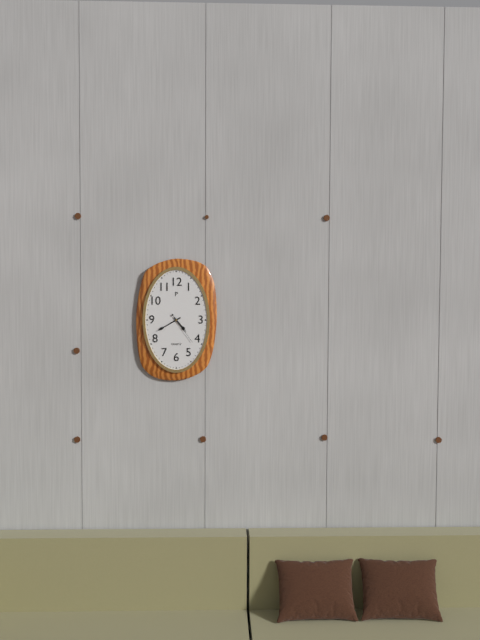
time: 4:40
